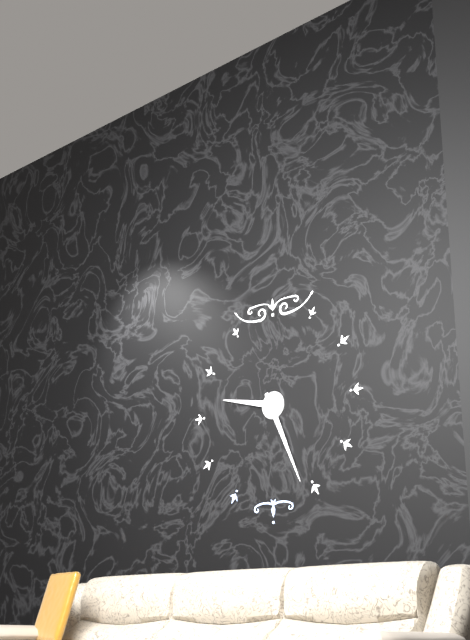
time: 9:26
